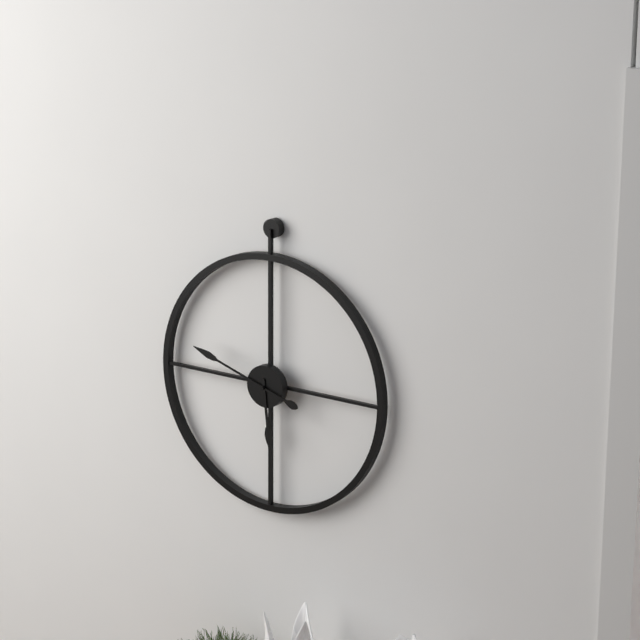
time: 5:48
